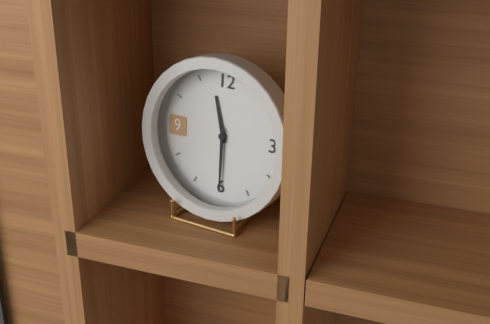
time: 11:30
